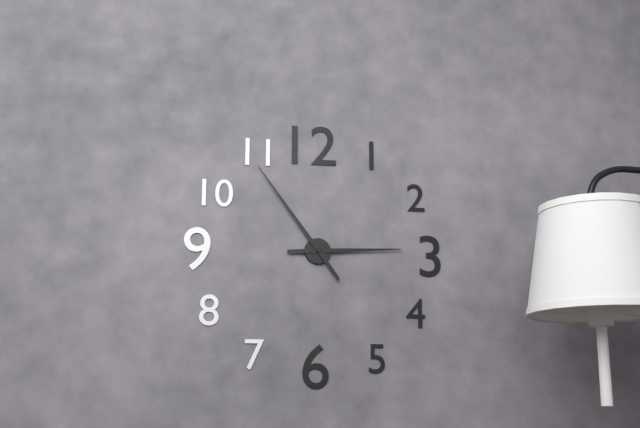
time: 2:54
